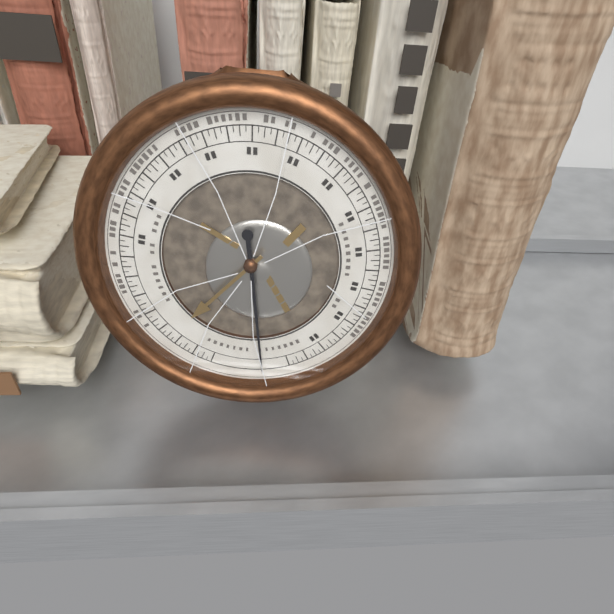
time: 7:29
